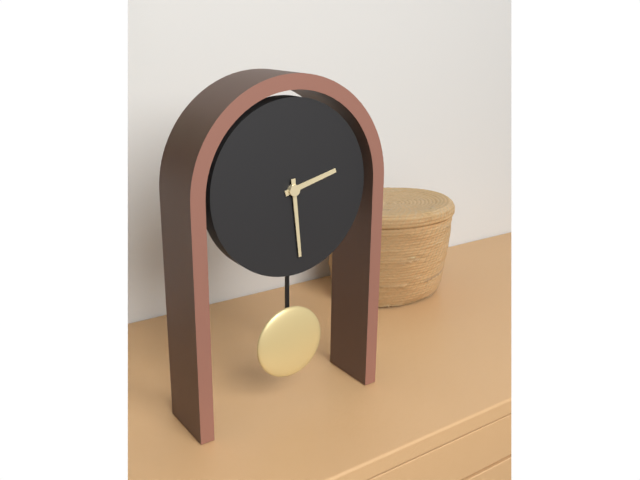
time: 2:29
